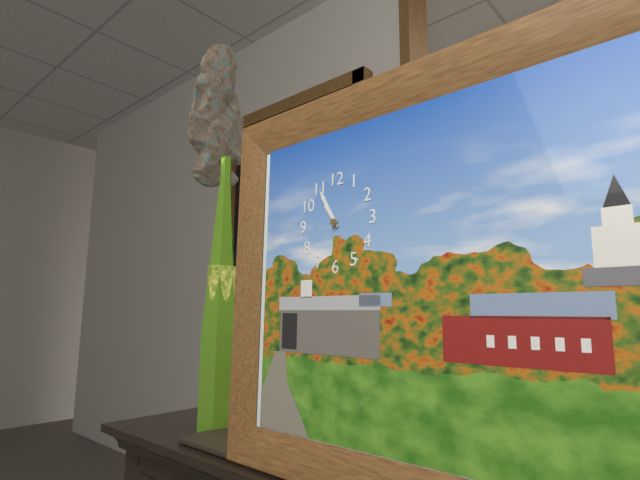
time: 10:55
